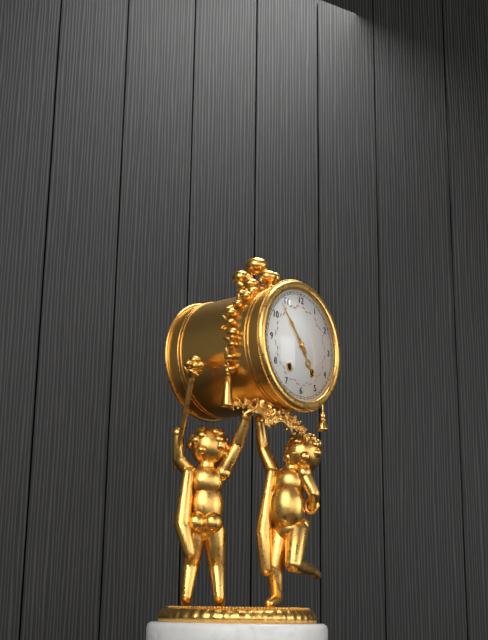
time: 4:53
